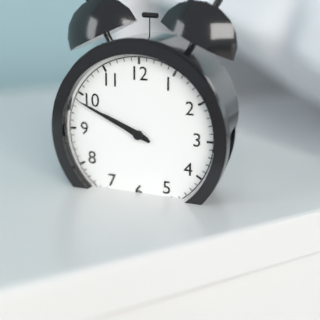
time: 9:49
